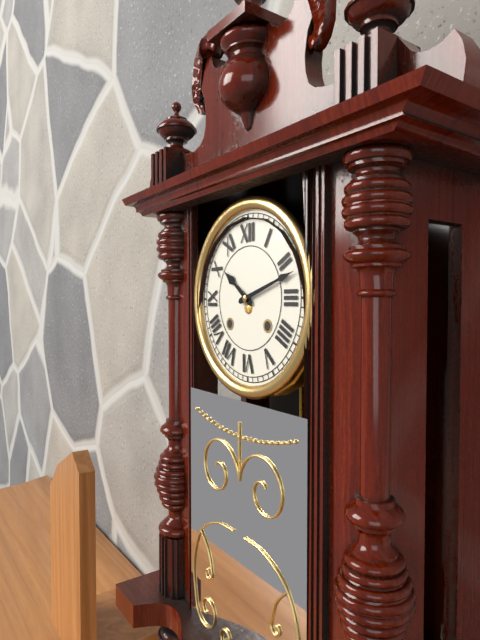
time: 10:12
